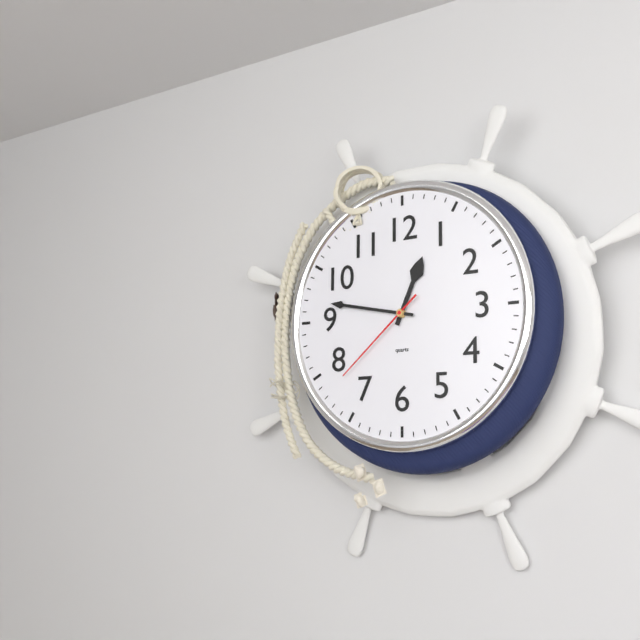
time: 12:47:38
